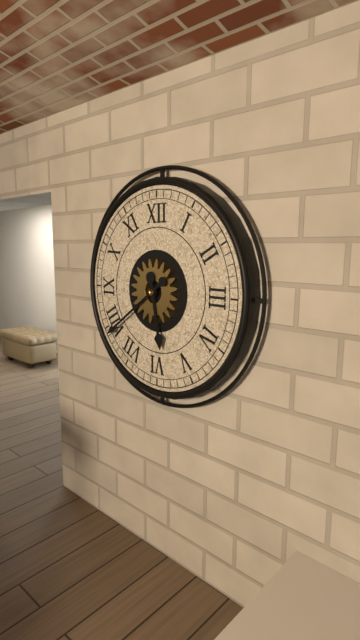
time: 5:39
